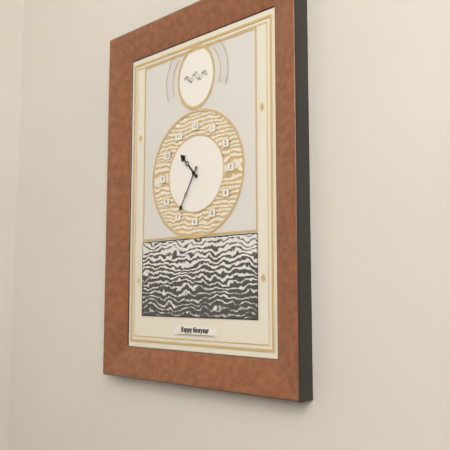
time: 10:35
